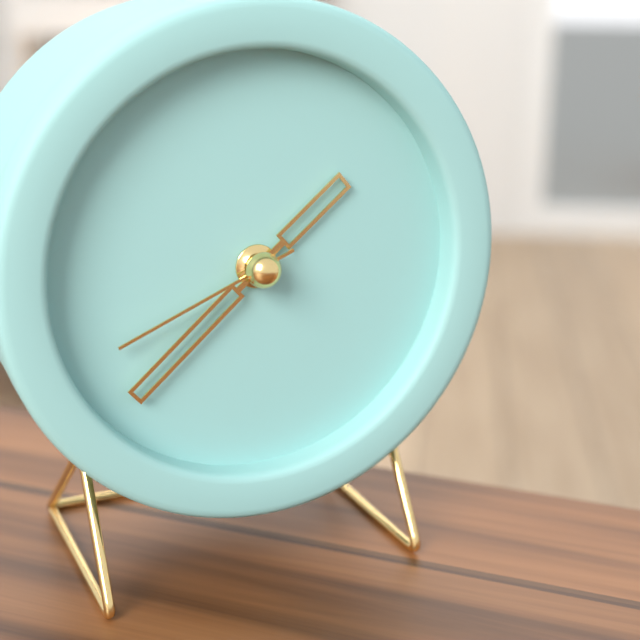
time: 1:38:41
